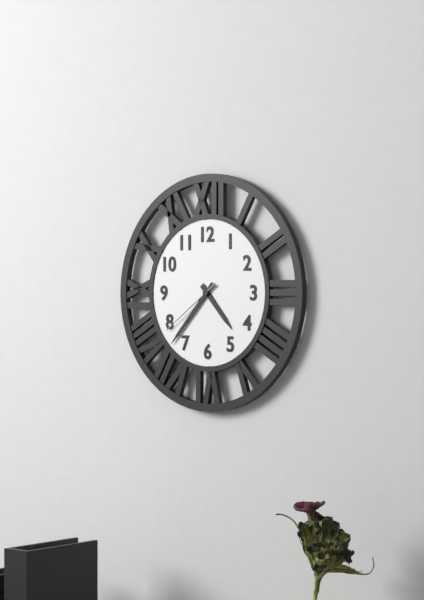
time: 4:37:39
